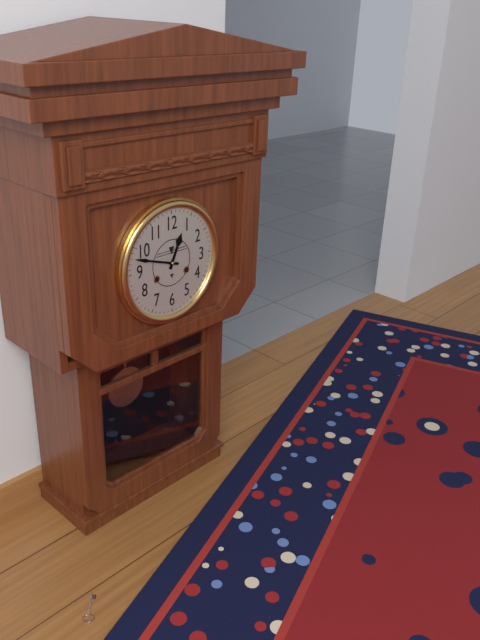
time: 12:48
